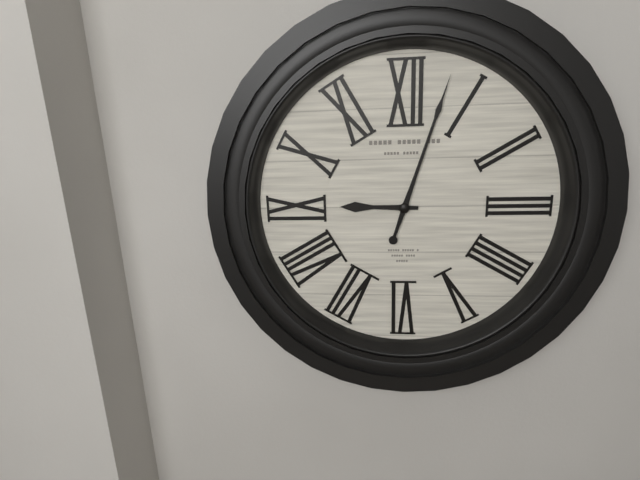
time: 9:03
